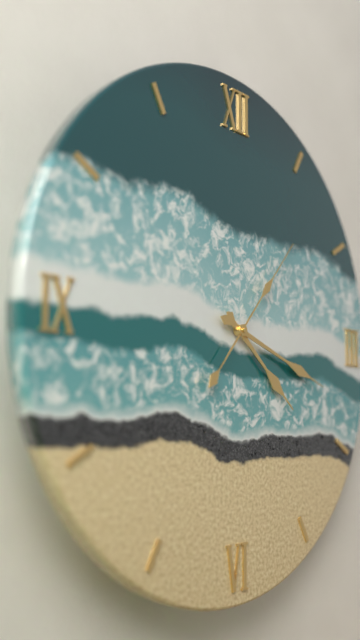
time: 4:18:07
